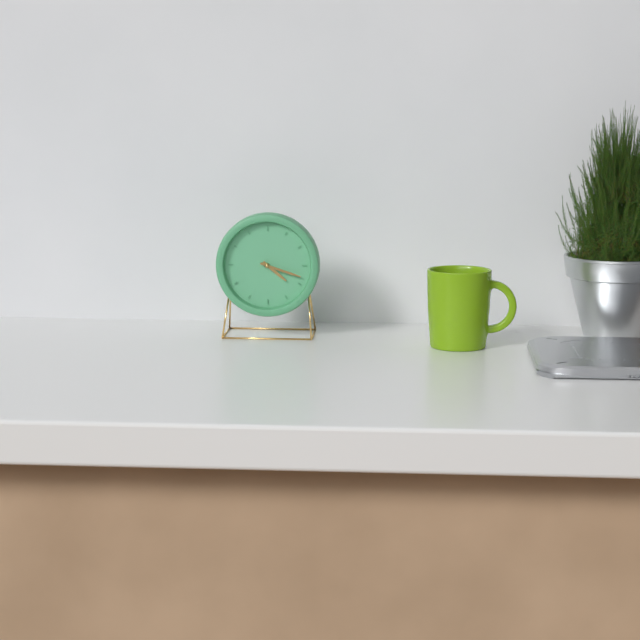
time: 4:18
